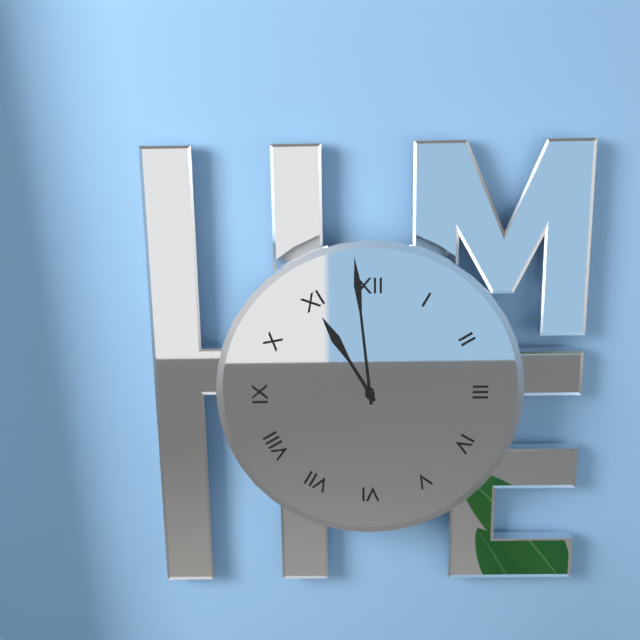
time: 10:59
